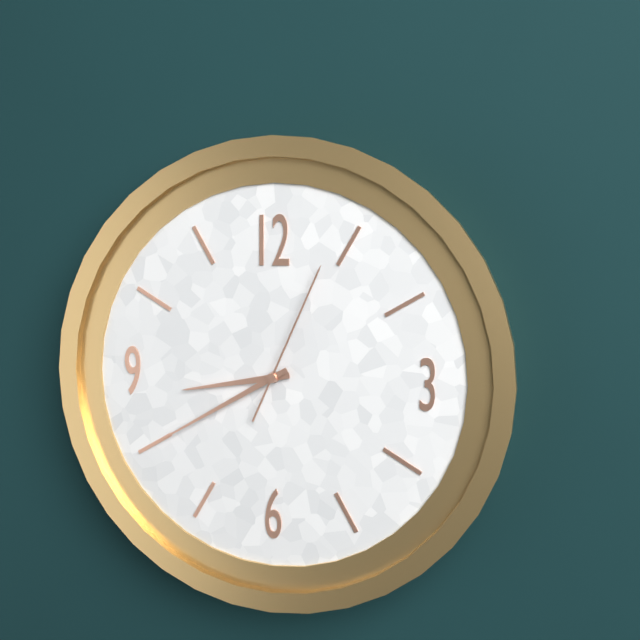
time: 8:40:04
